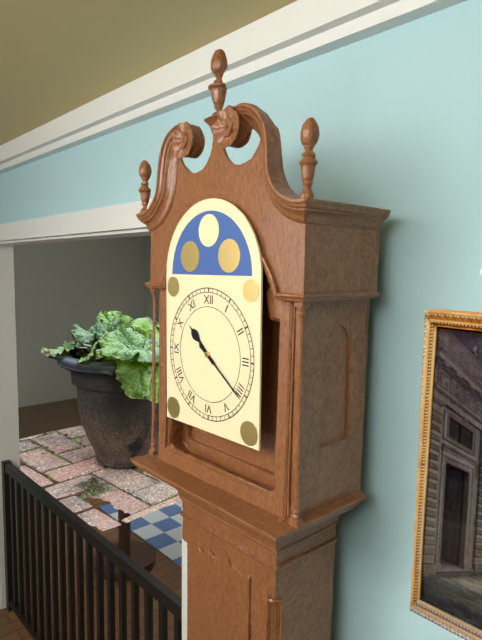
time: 10:21
